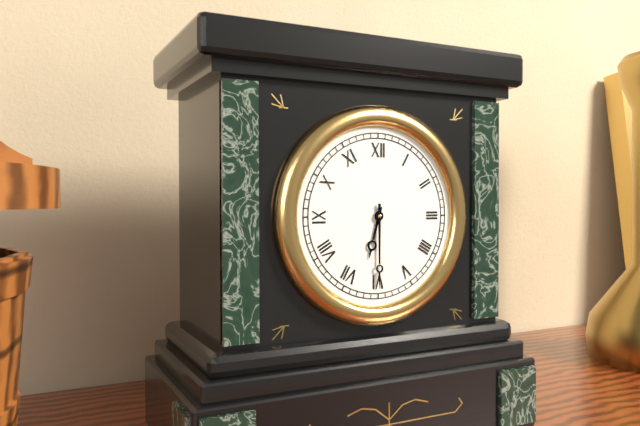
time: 6:30
